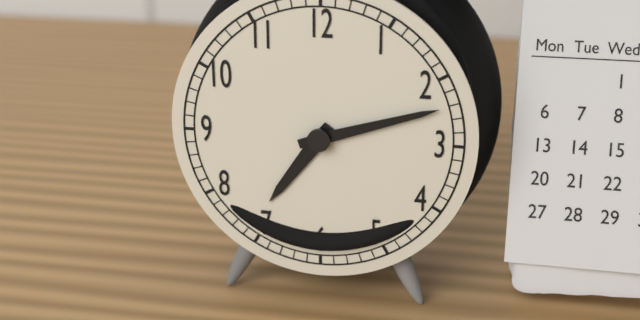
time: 7:12
